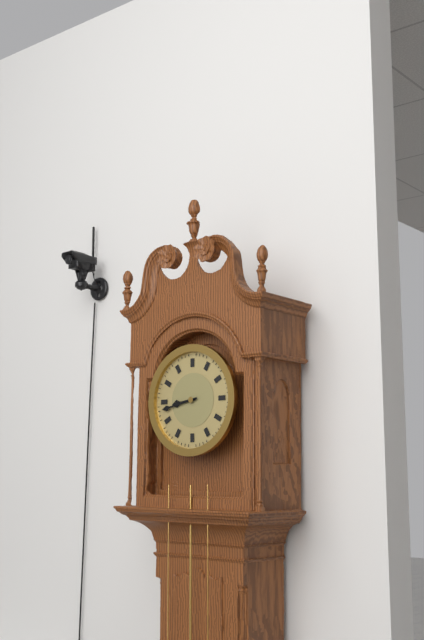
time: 8:43
